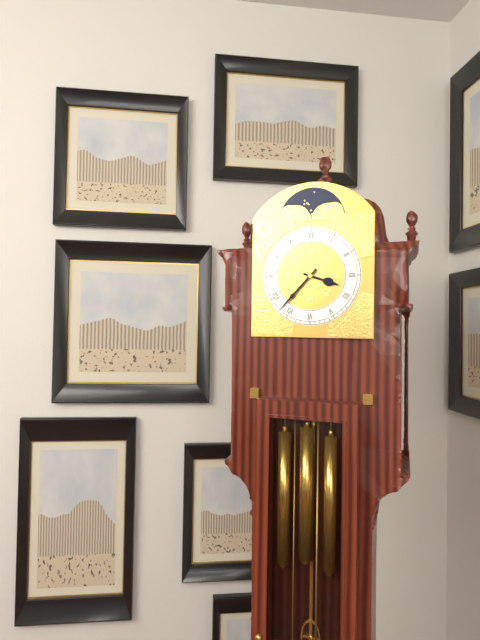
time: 3:37
